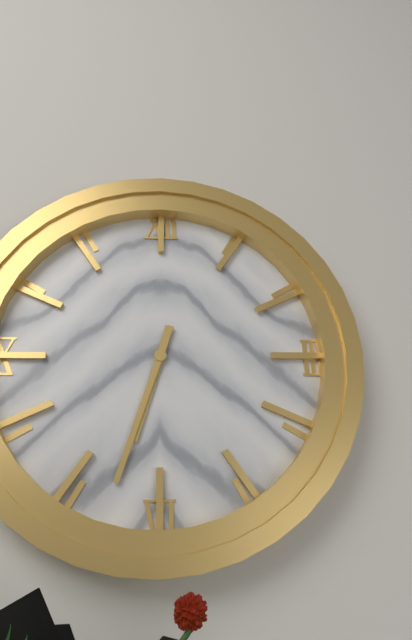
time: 6:33
